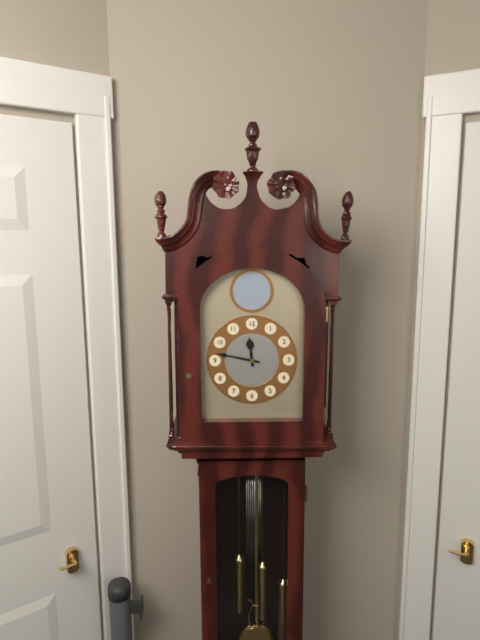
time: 11:47
